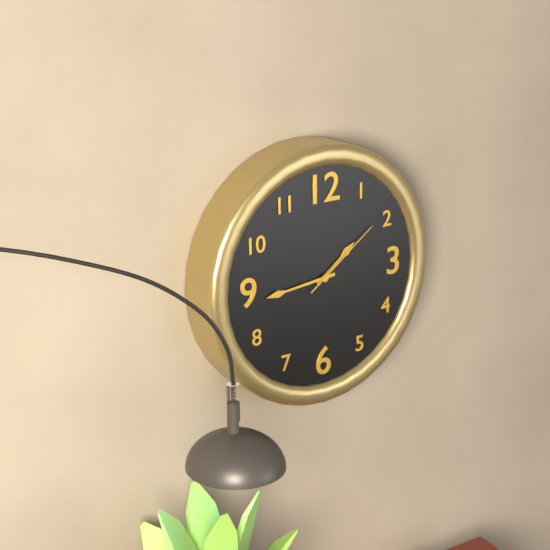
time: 1:44:09
